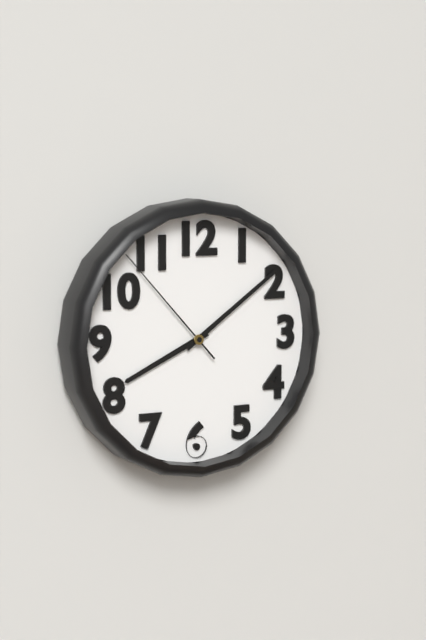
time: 8:09:53
